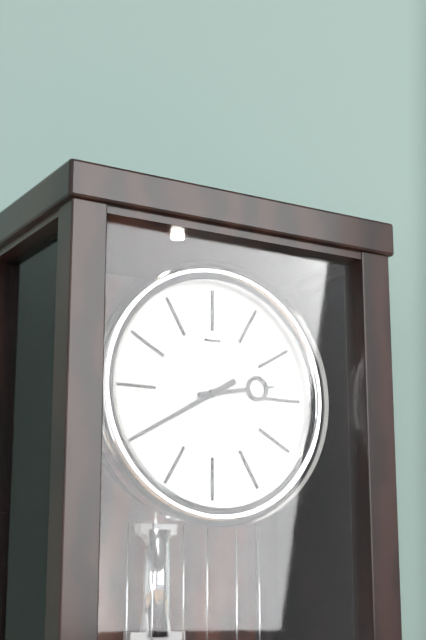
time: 2:40
